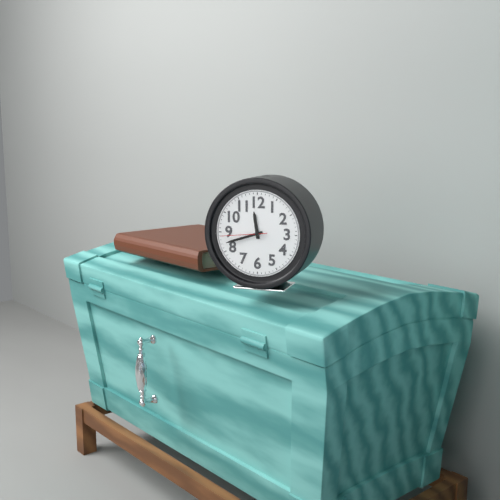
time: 11:42
